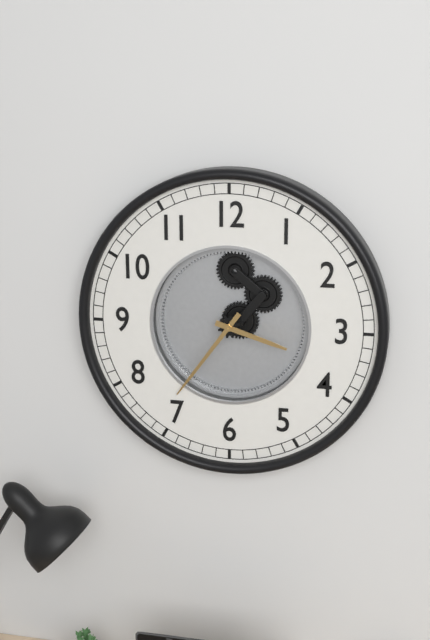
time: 3:36
